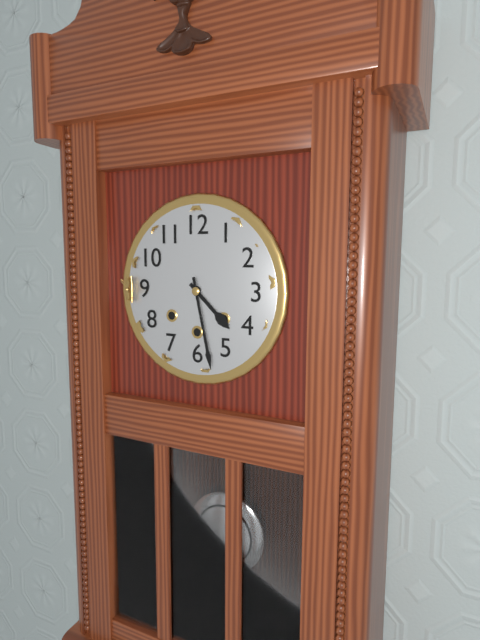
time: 4:28
